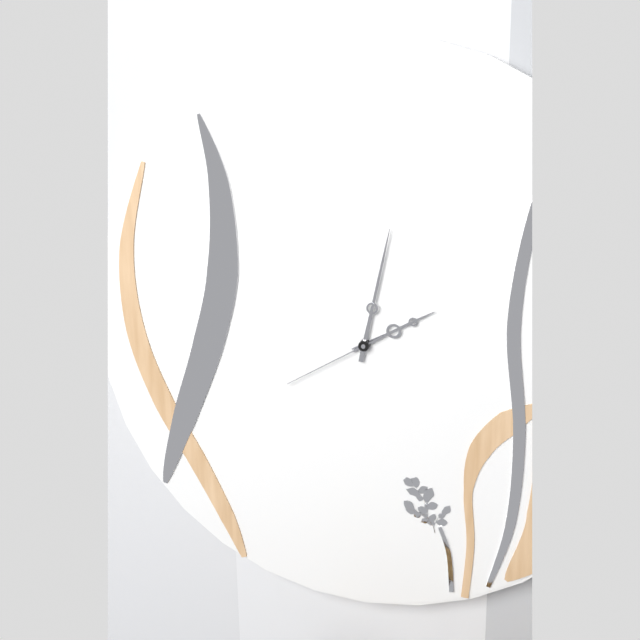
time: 2:02:40
